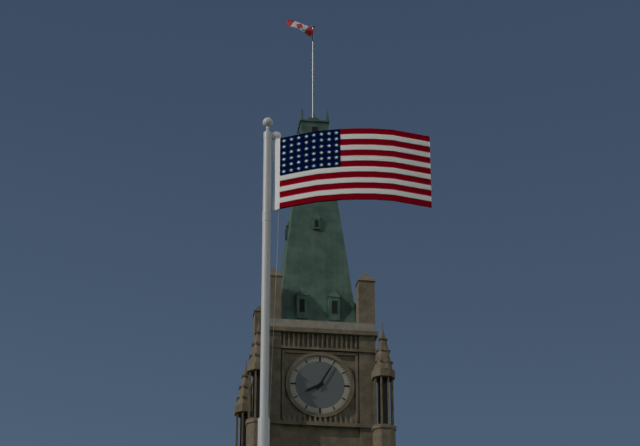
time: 8:05
